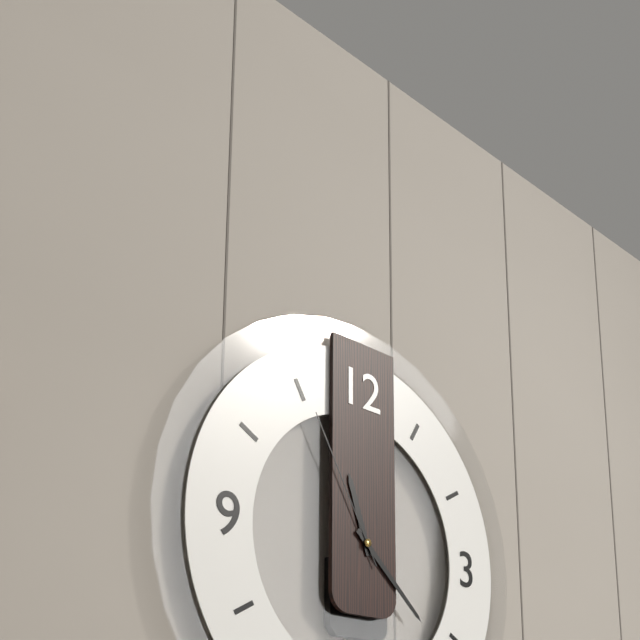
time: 11:22:55
